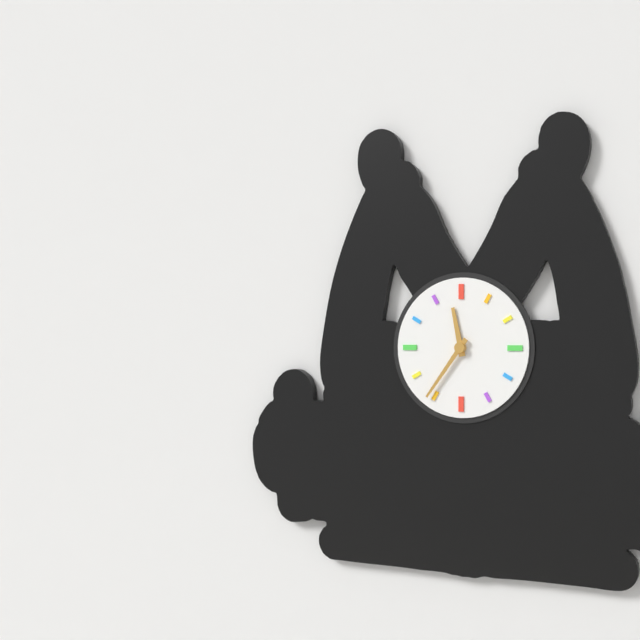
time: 11:36
